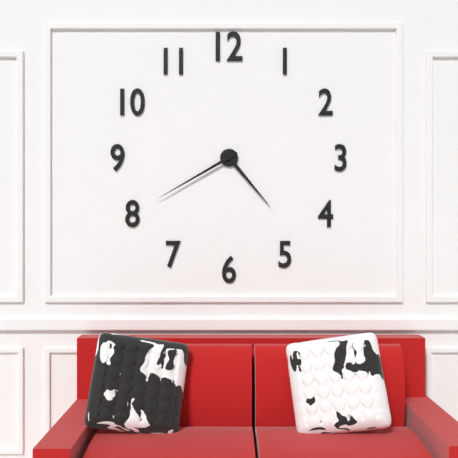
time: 4:40
